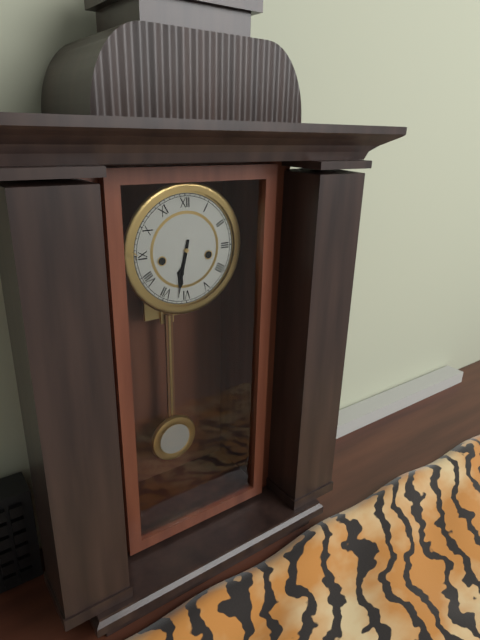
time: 6:32
